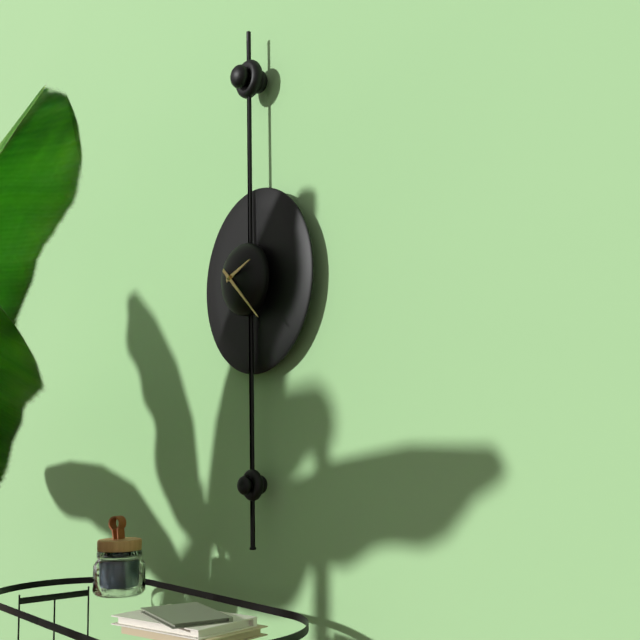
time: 2:22
